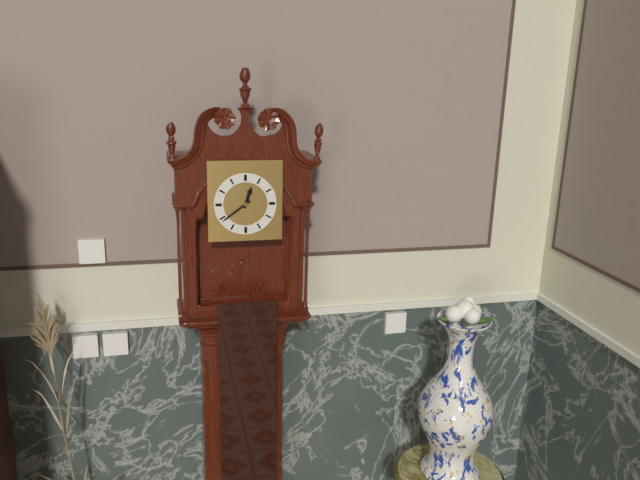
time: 12:39
